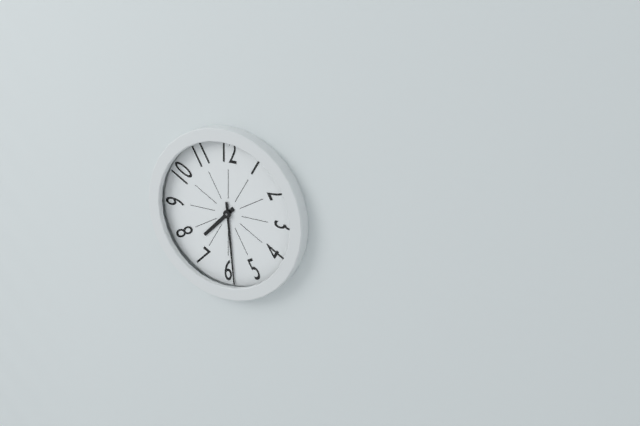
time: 7:29
